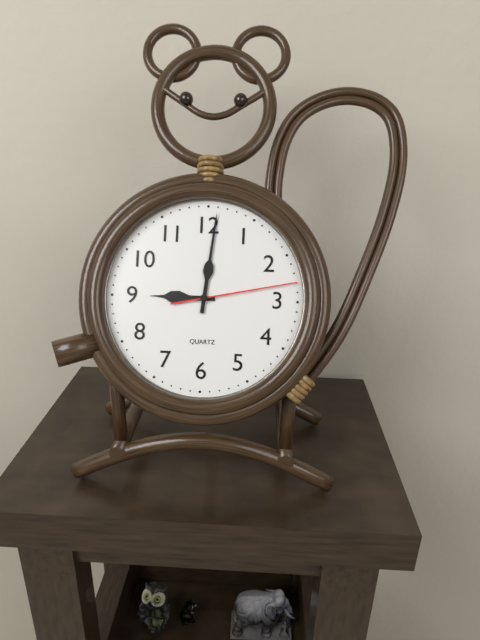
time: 9:01:13
